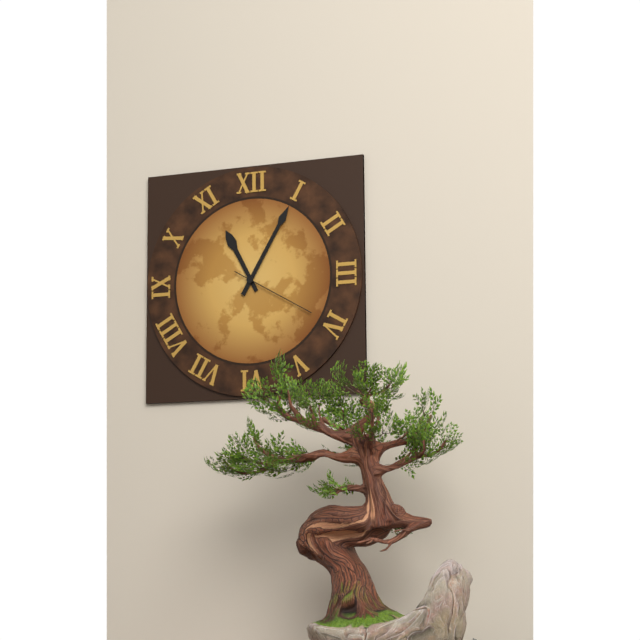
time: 11:05:20
